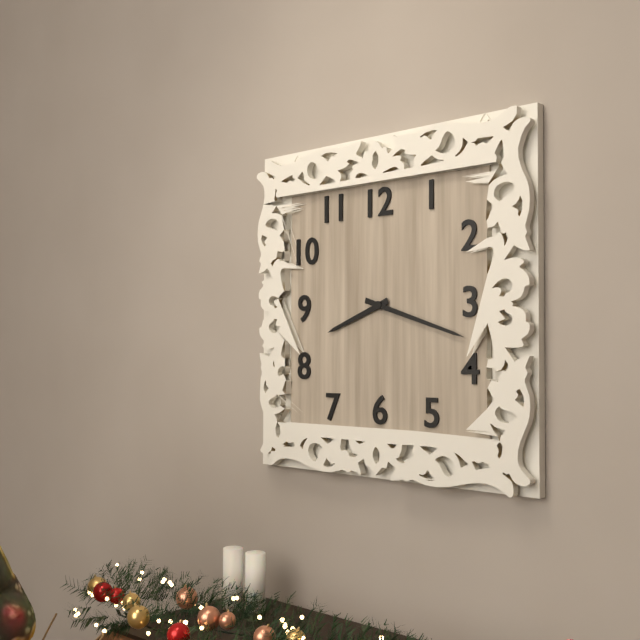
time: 8:18
